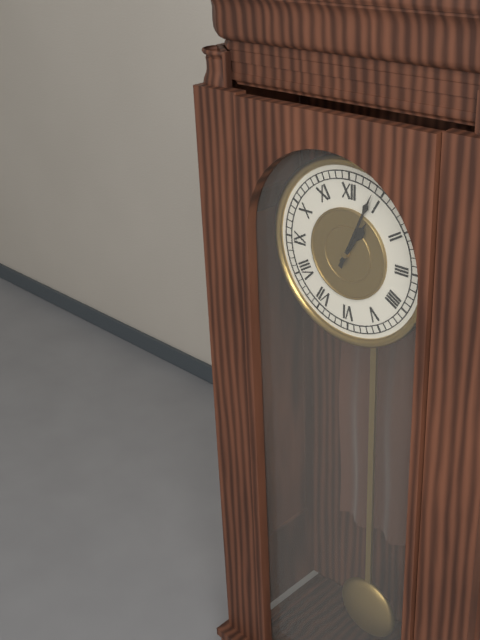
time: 1:04
